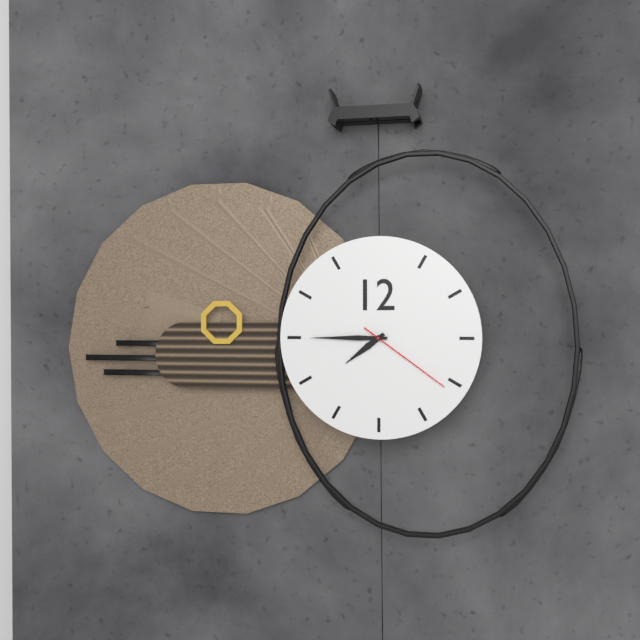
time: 7:45:21
